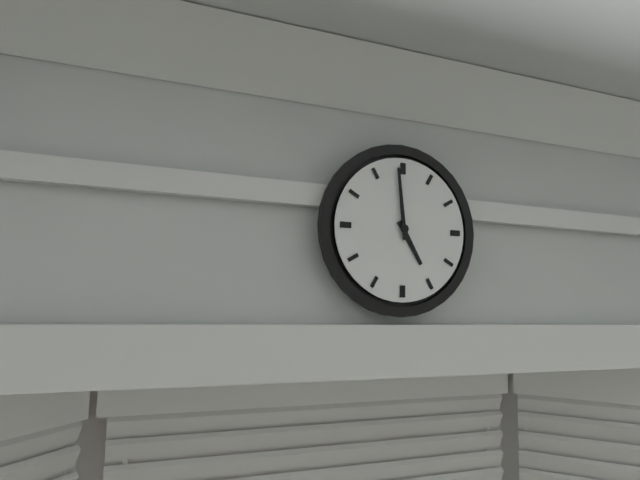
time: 4:59
